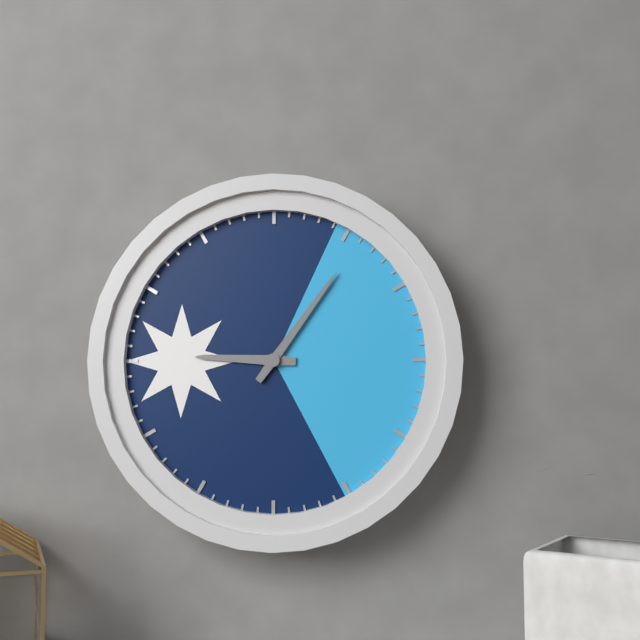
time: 9:06
